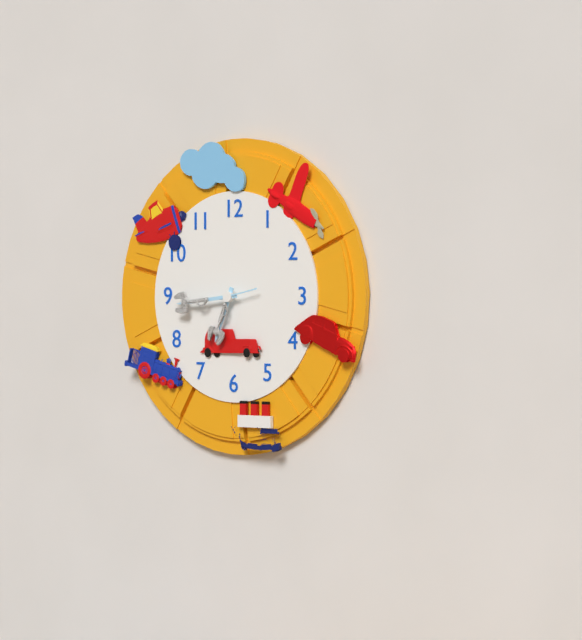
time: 6:44
